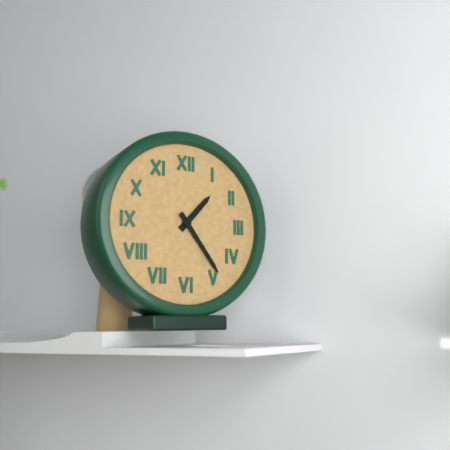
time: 1:24
